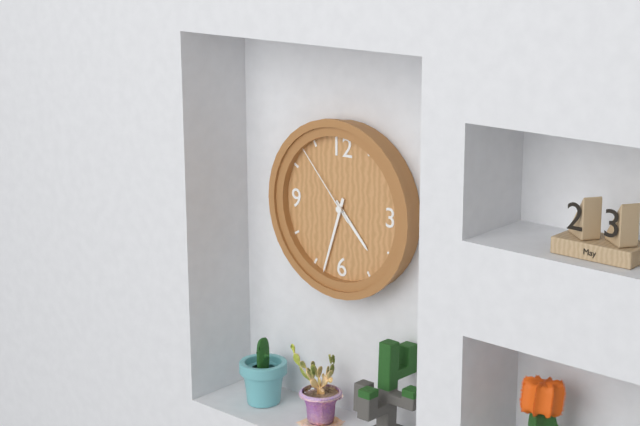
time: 4:33:53
